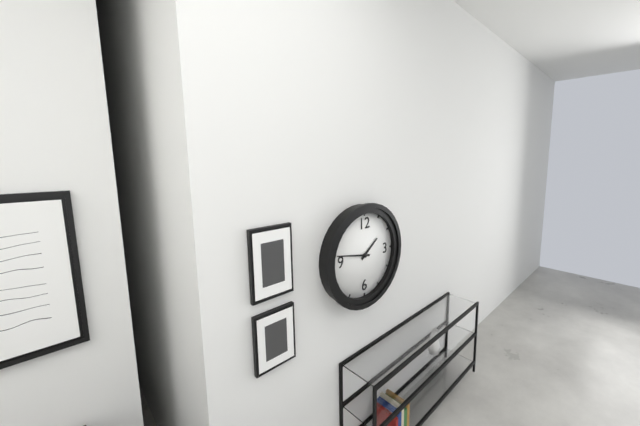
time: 1:47
